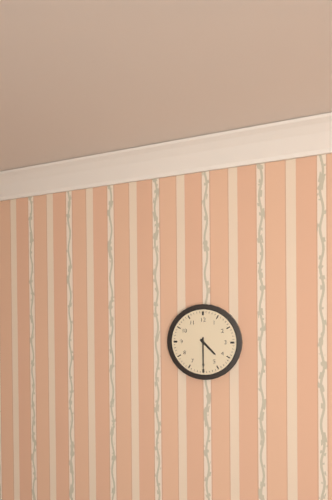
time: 4:30
